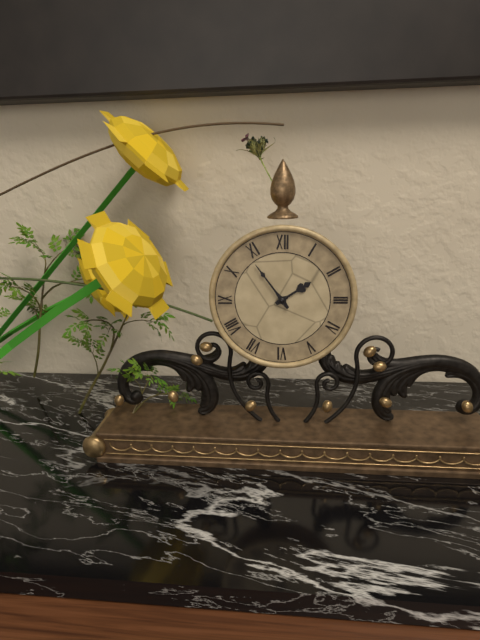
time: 1:54
